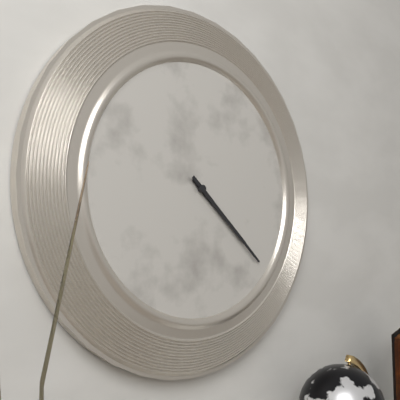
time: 4:22
